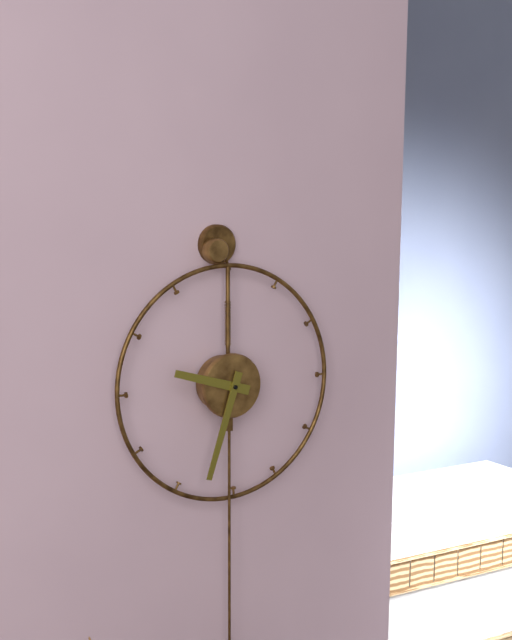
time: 9:33
